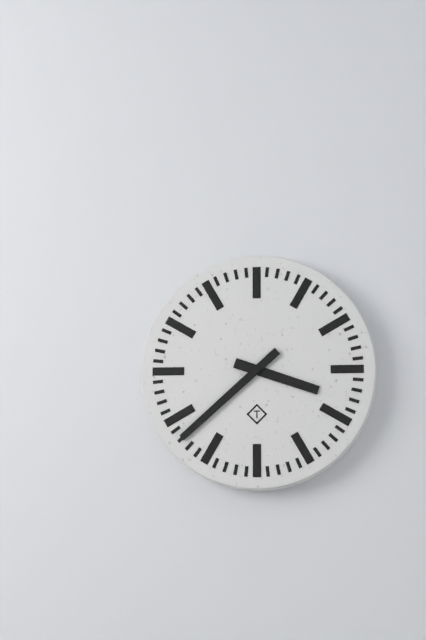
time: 3:38
